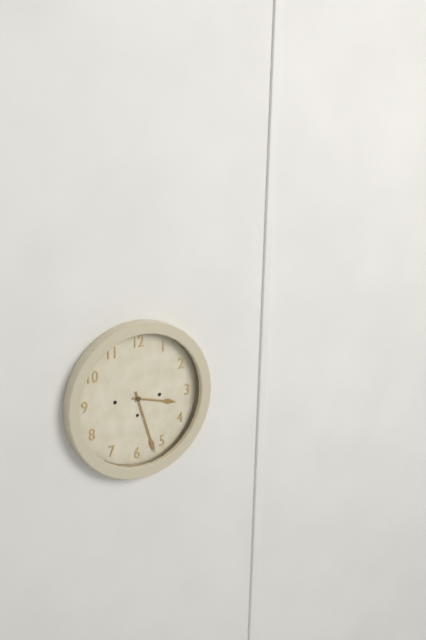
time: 3:27
